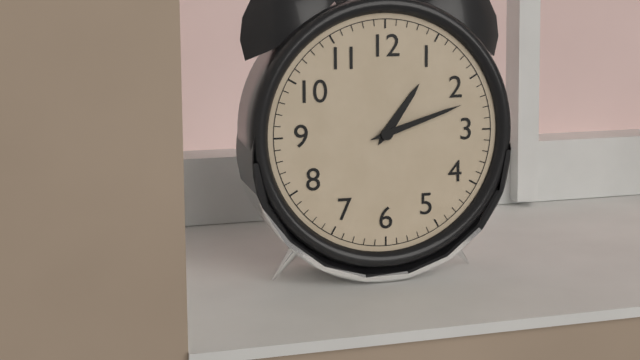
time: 1:12
